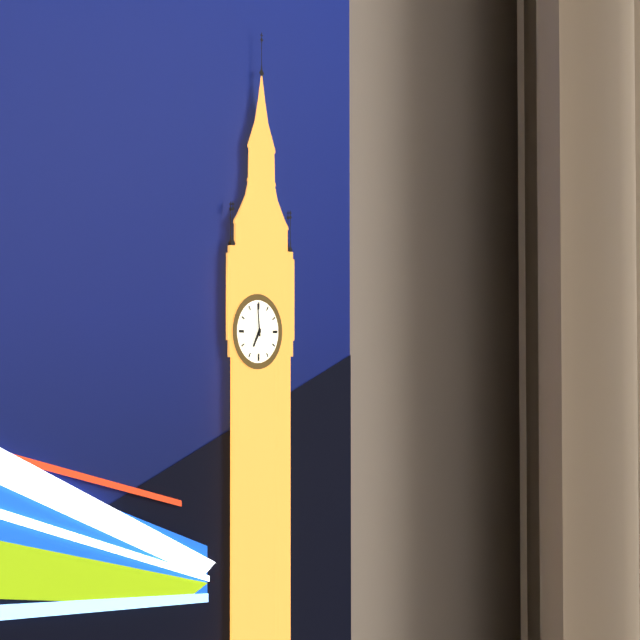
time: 6:59
